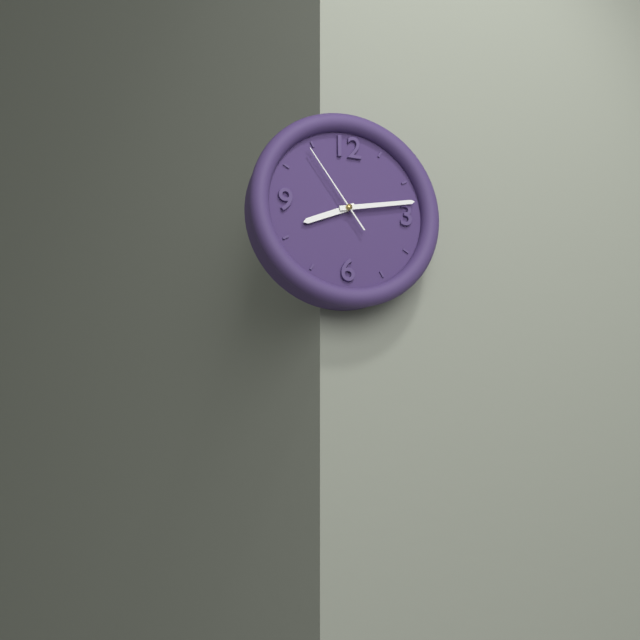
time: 8:13:54
